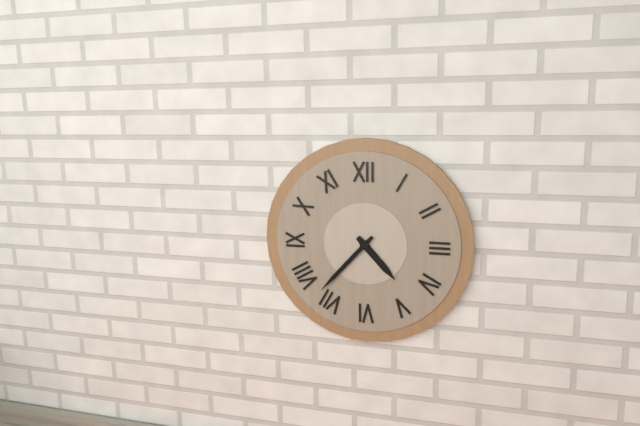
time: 4:37
